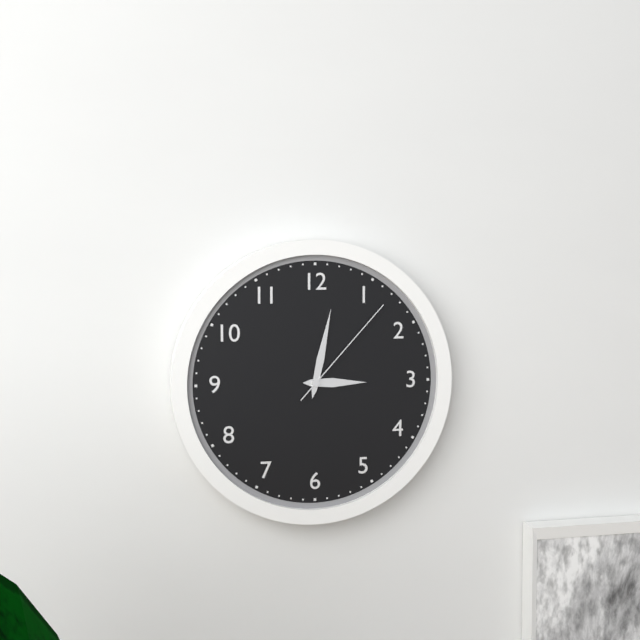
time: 3:02:07
